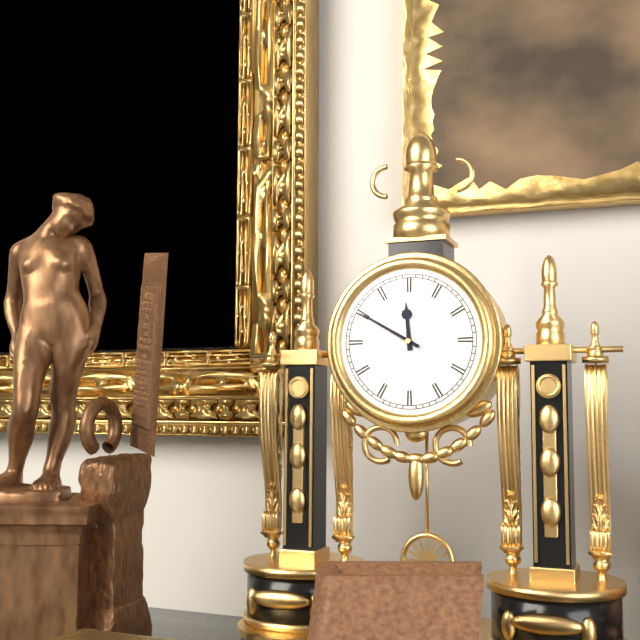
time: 11:50
